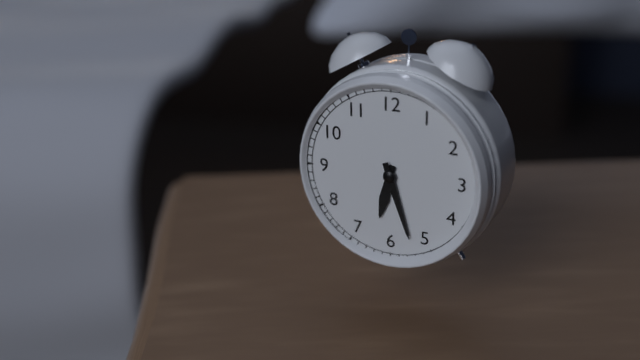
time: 6:27
